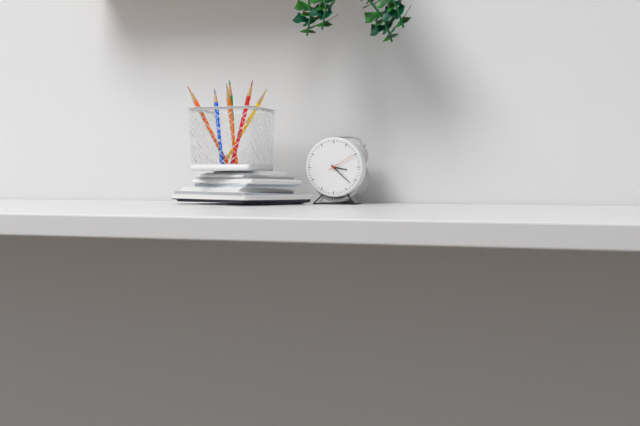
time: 3:22
